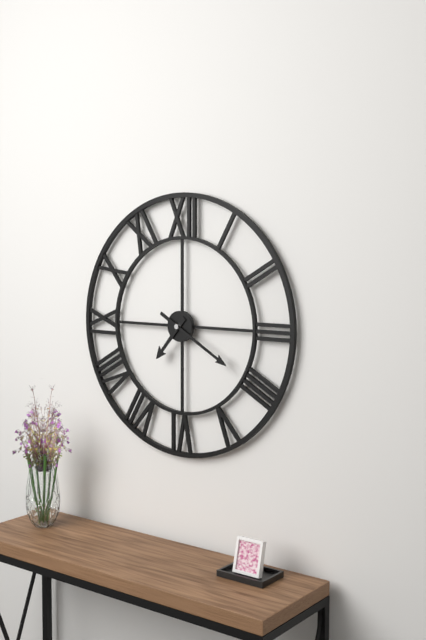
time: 7:20
